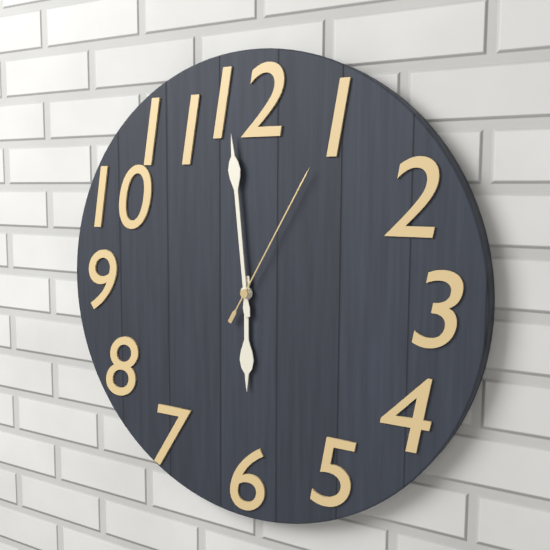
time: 5:59:05
